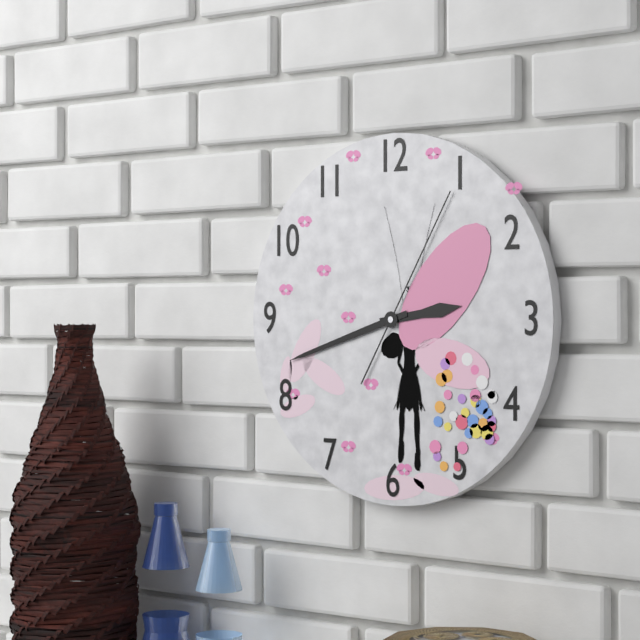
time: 2:42:05
